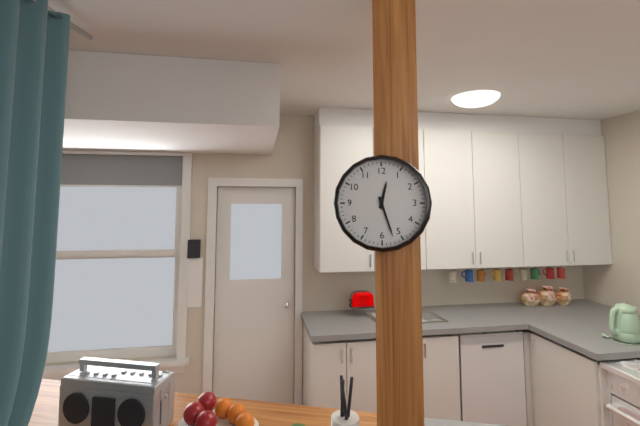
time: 12:27
